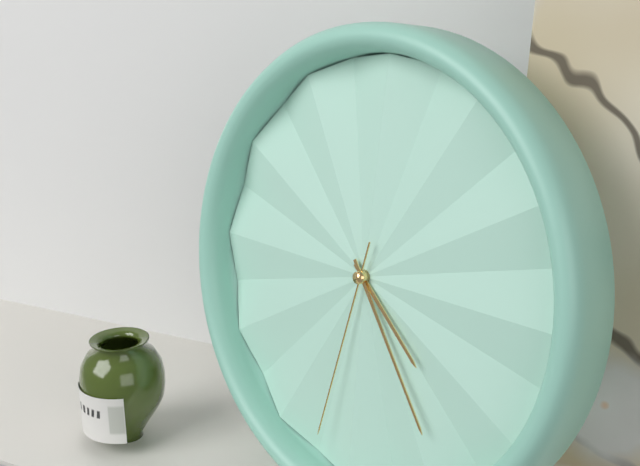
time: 4:24:32
